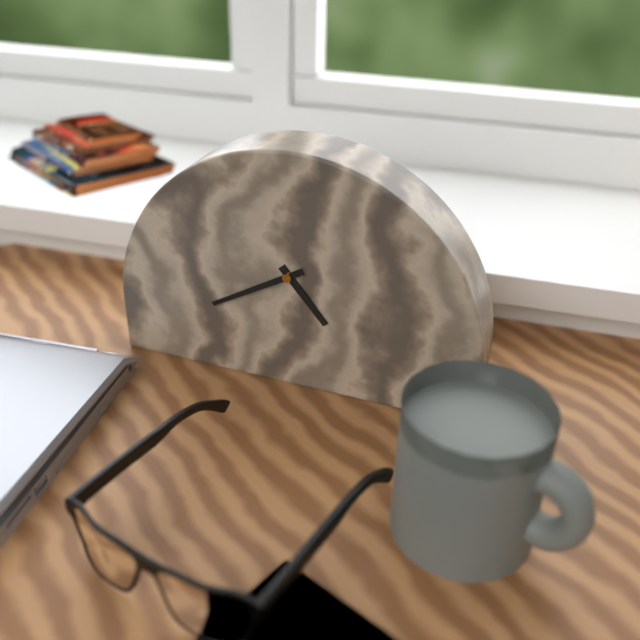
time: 4:40
